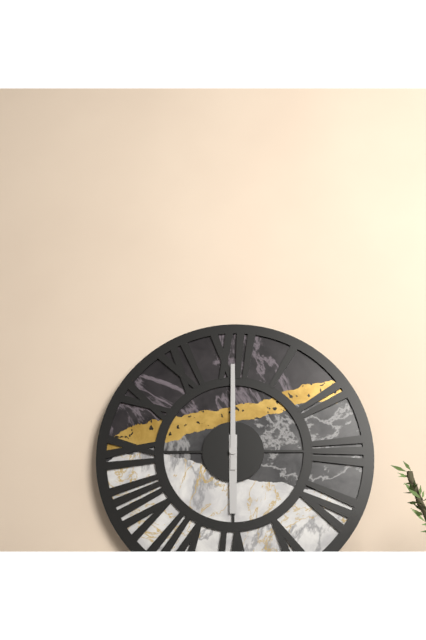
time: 6:00
